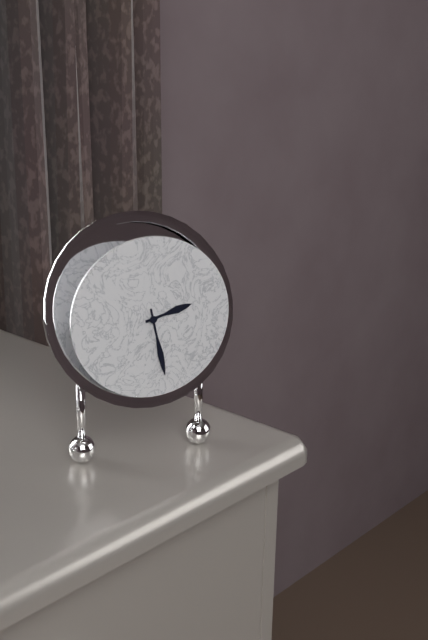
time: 2:28
